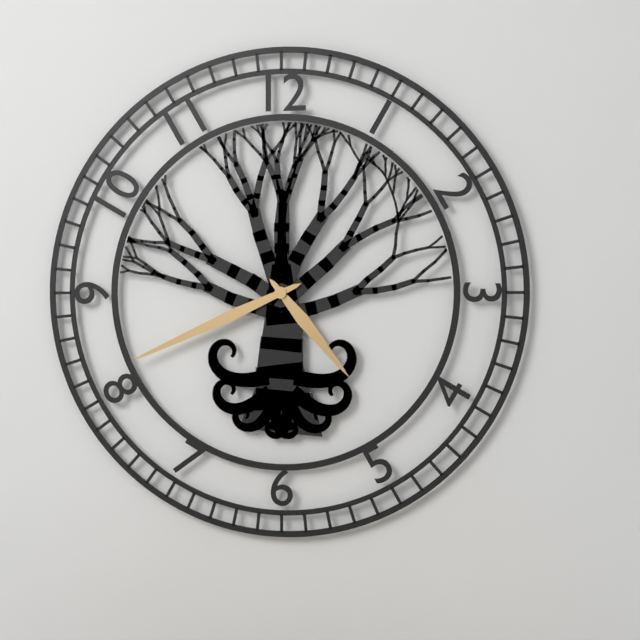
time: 4:41
